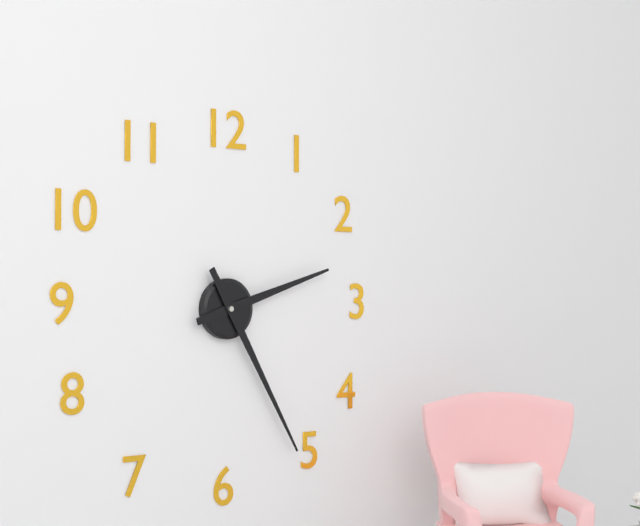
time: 2:25
